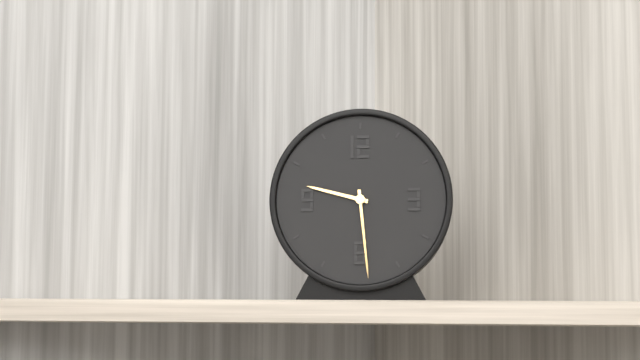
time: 9:29
